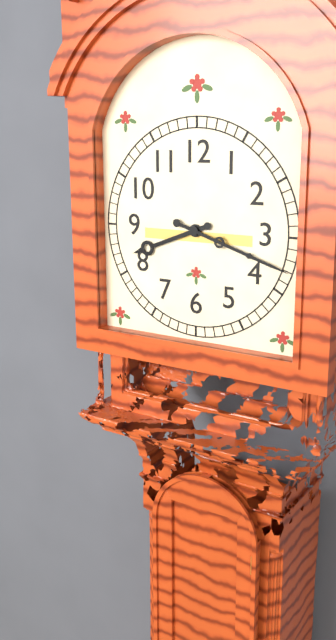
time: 8:18
